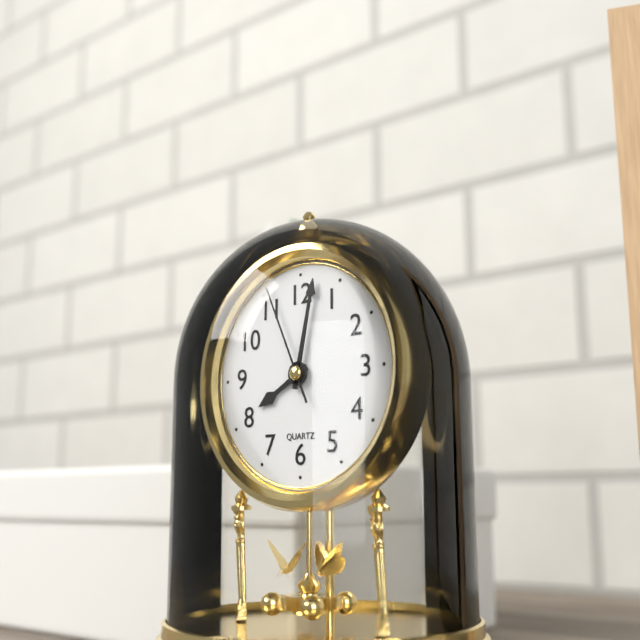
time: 8:02:56
